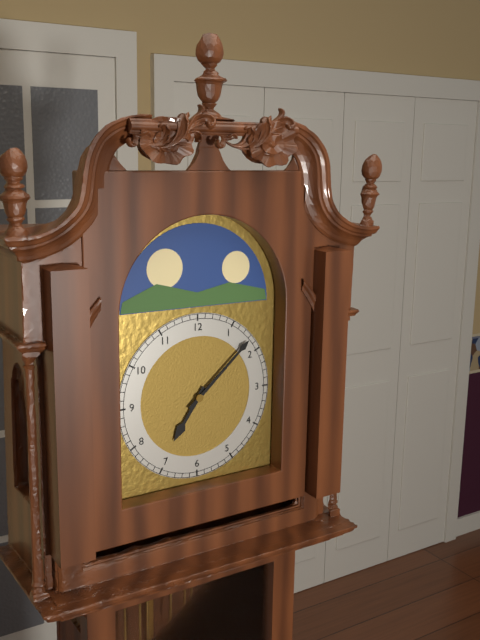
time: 7:08
